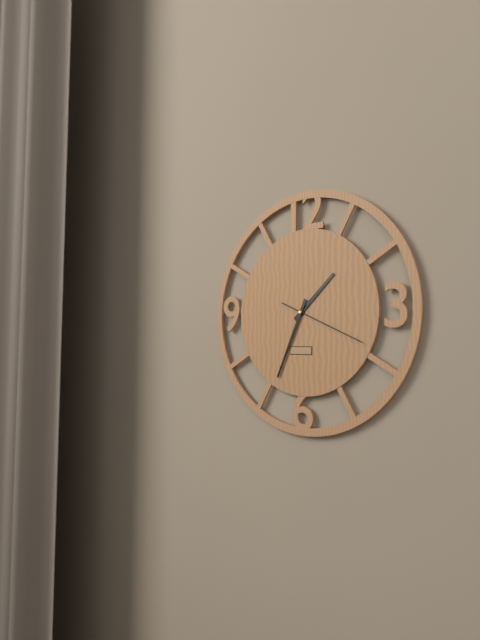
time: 1:34:19
